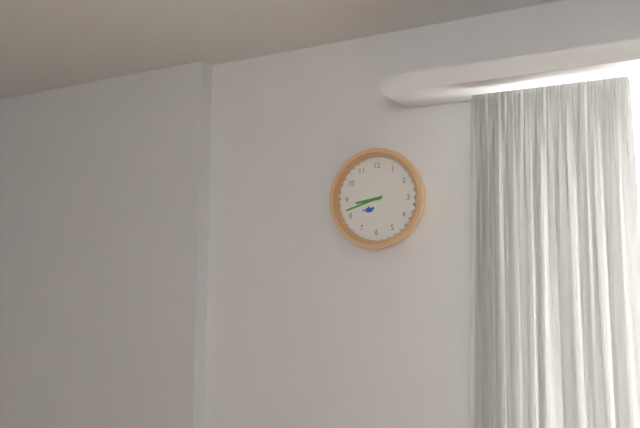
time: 8:42
